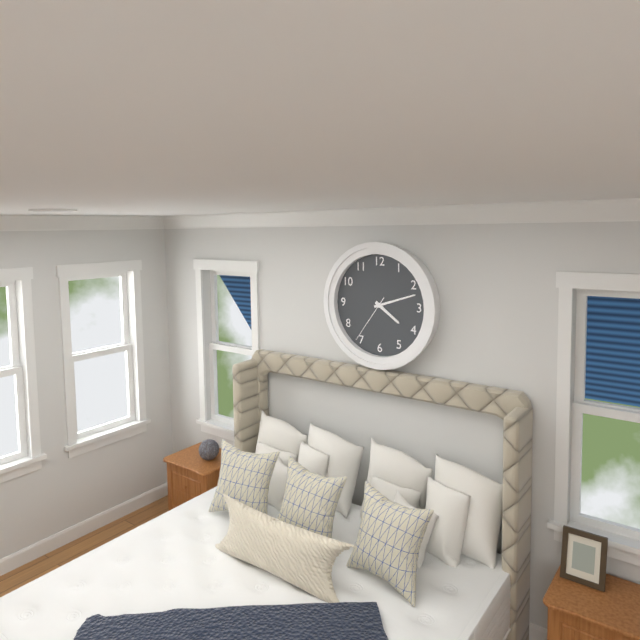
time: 4:12:36
